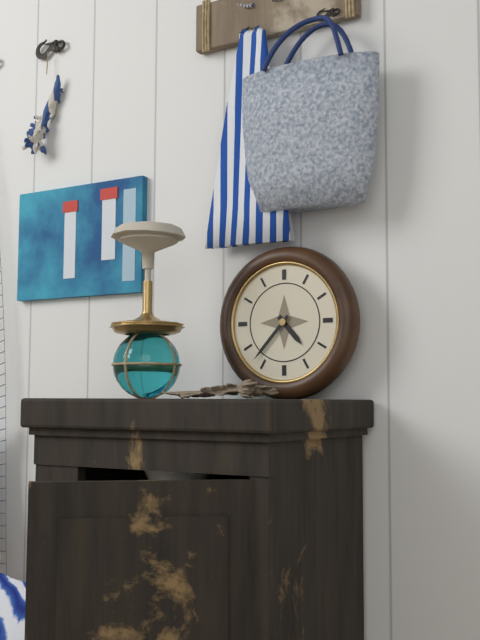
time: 4:37
